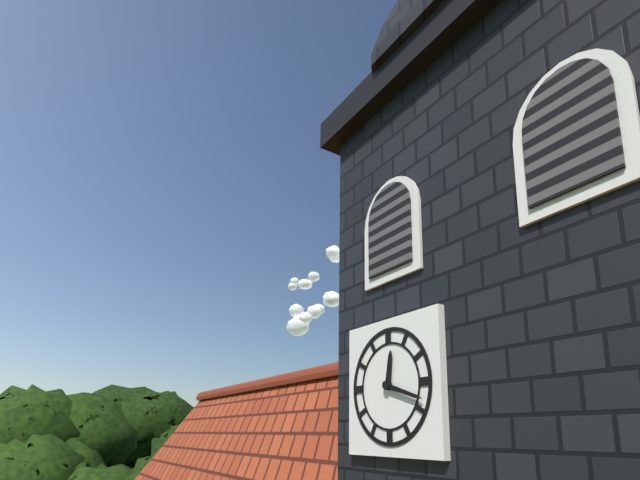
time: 12:18
